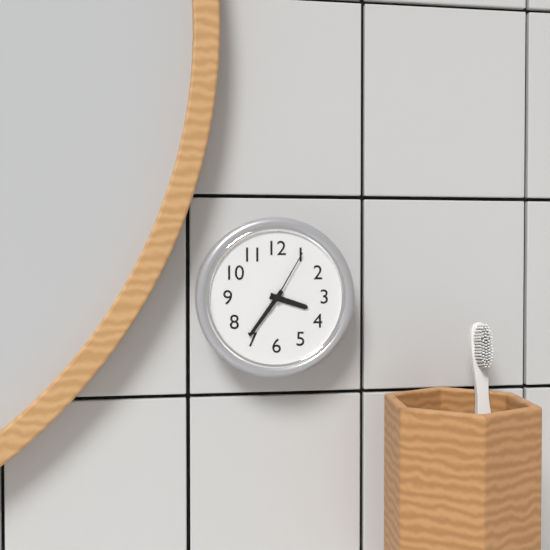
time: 3:36:05
